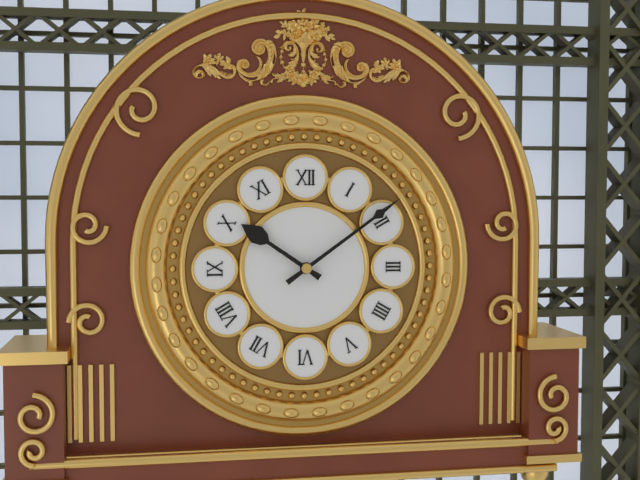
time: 10:09
